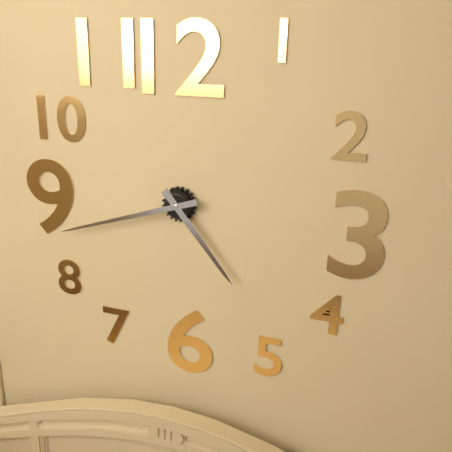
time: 4:42
